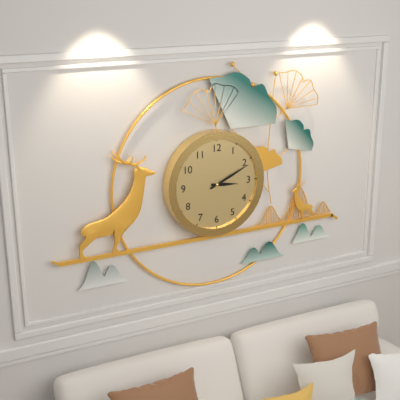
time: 3:11
